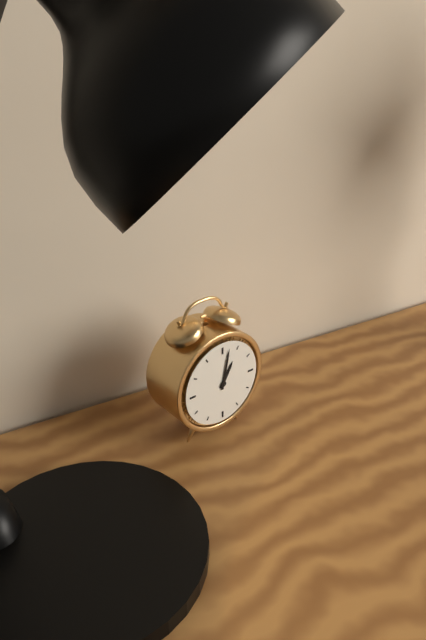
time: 1:02
